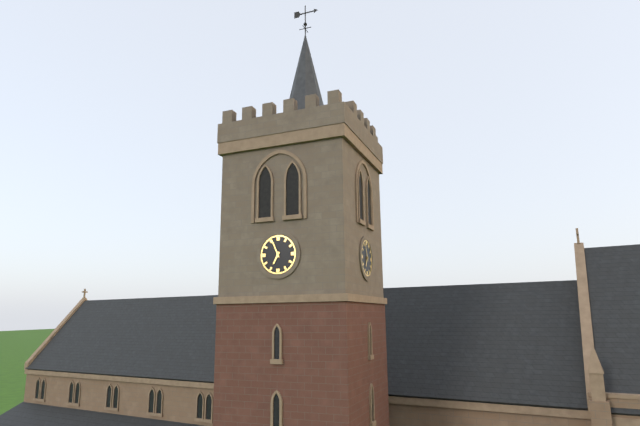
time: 6:56
